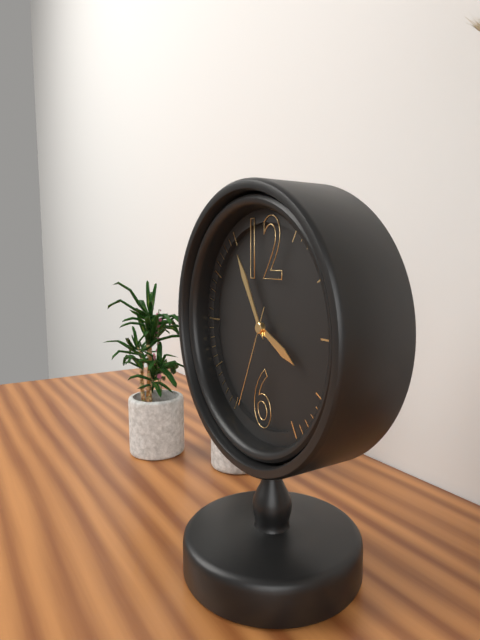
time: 3:55:34
